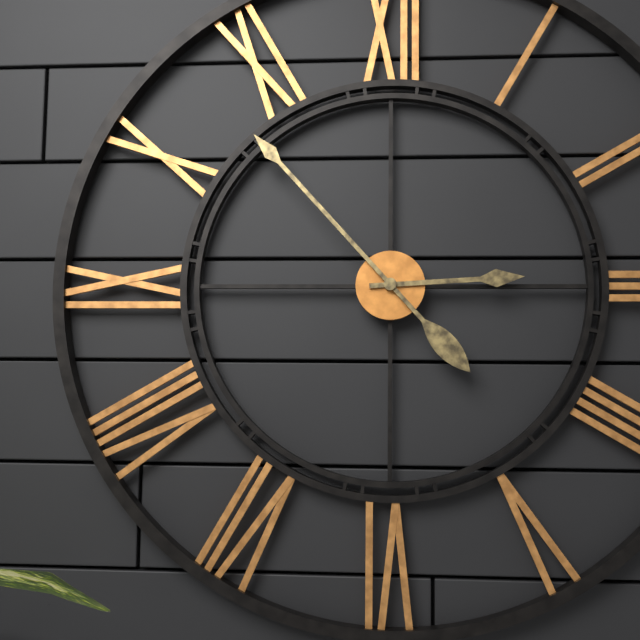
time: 2:53
